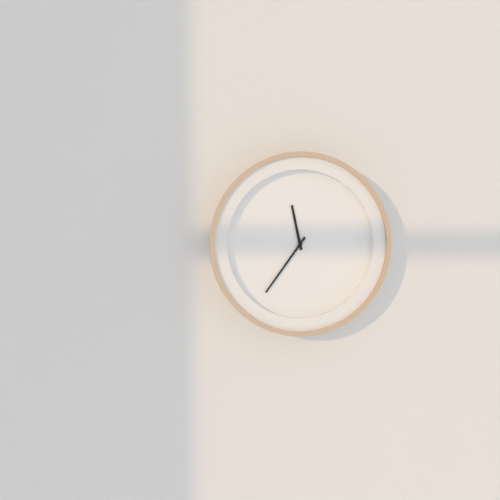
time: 11:36
